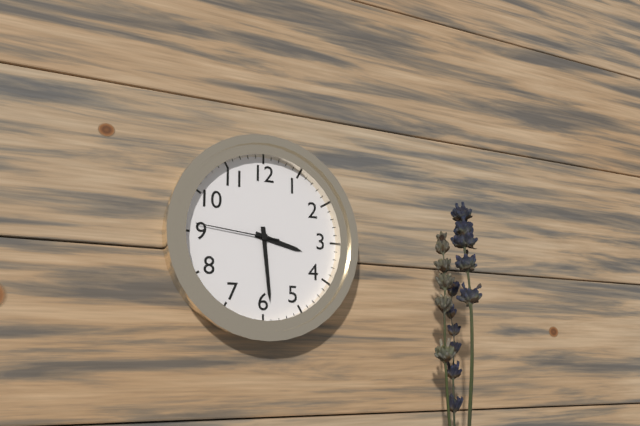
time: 3:29:46
